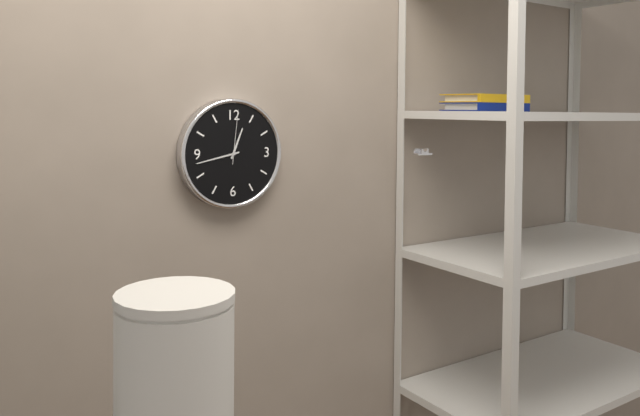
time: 12:43:01
